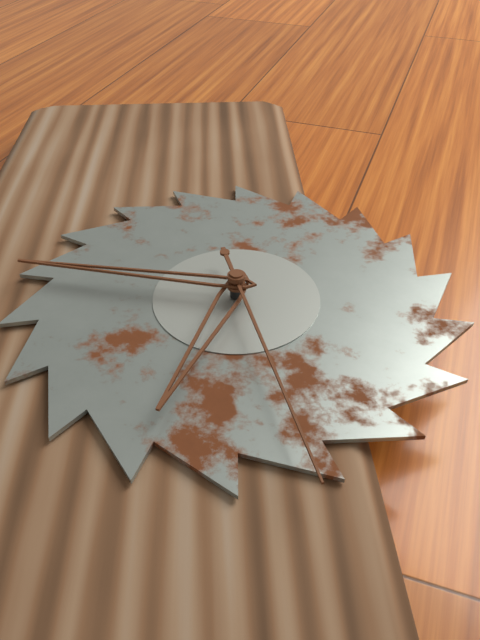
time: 6:47:28
